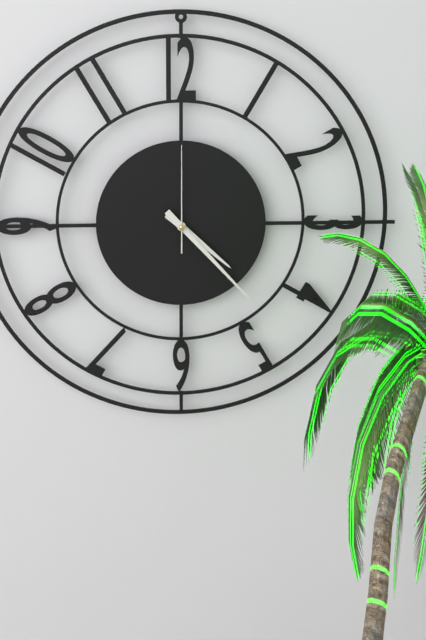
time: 4:23:00
